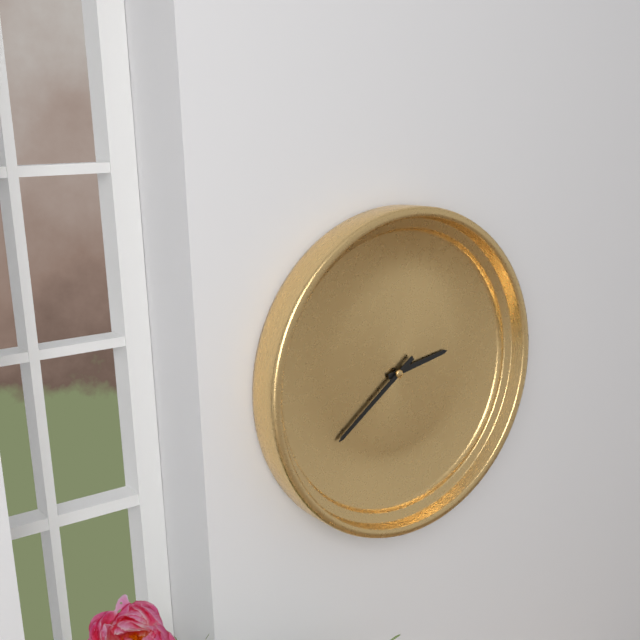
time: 2:39
